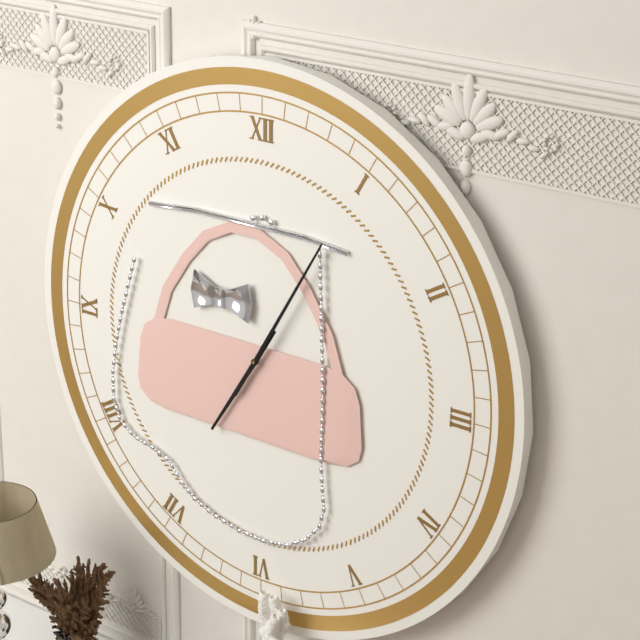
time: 7:05
